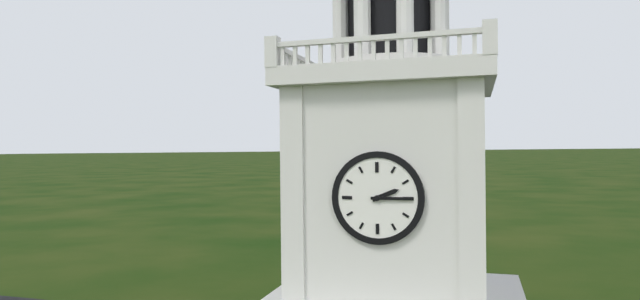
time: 2:15
